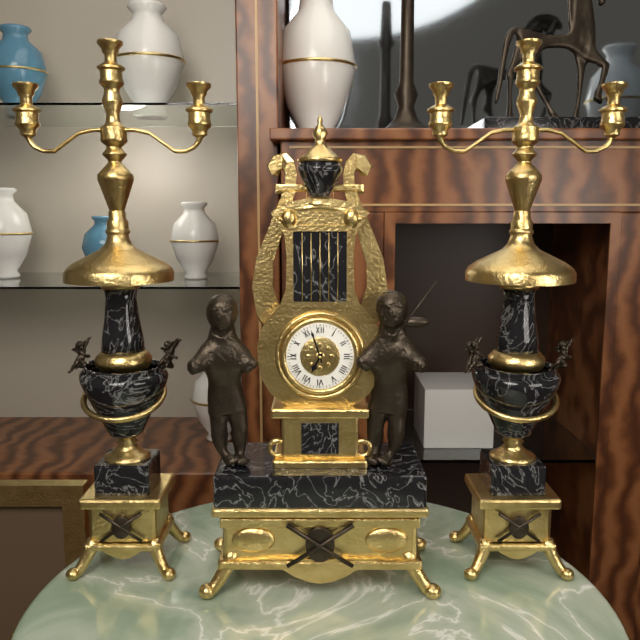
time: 6:57
